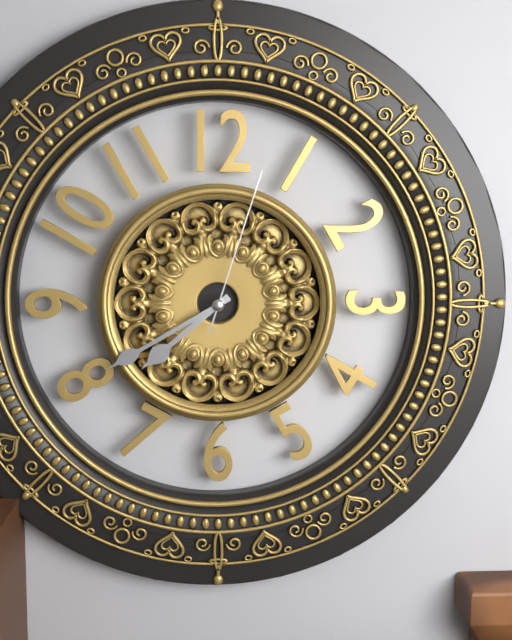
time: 7:40:03
